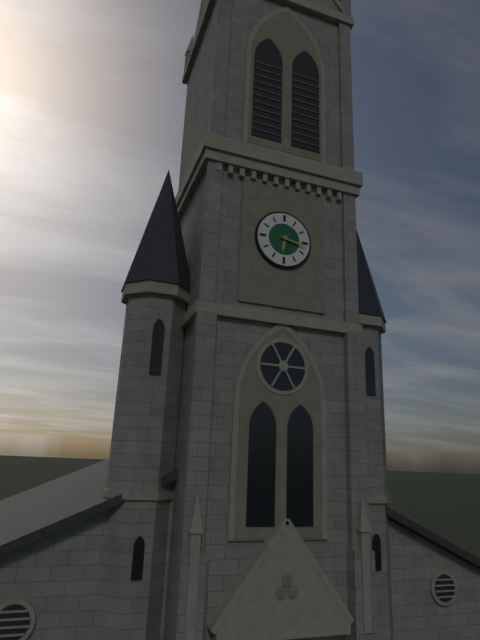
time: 6:17
